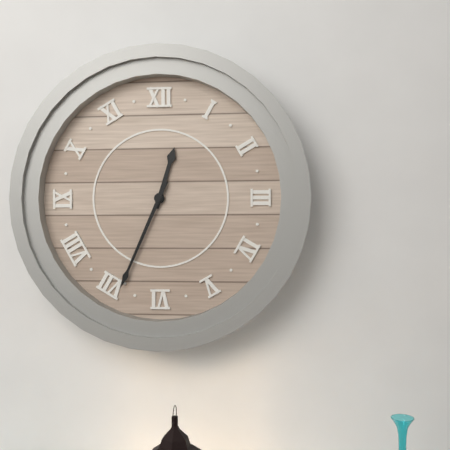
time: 12:34
